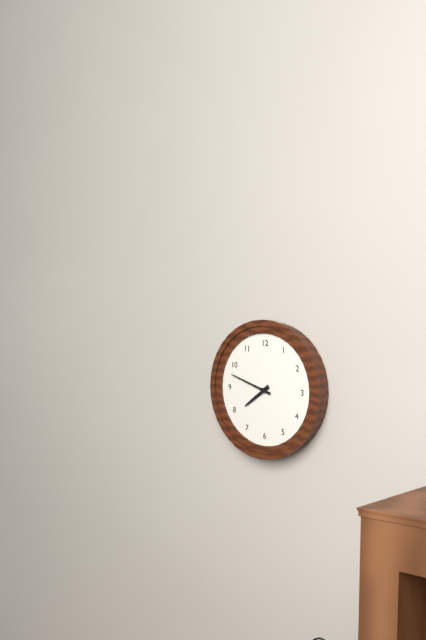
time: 7:48
